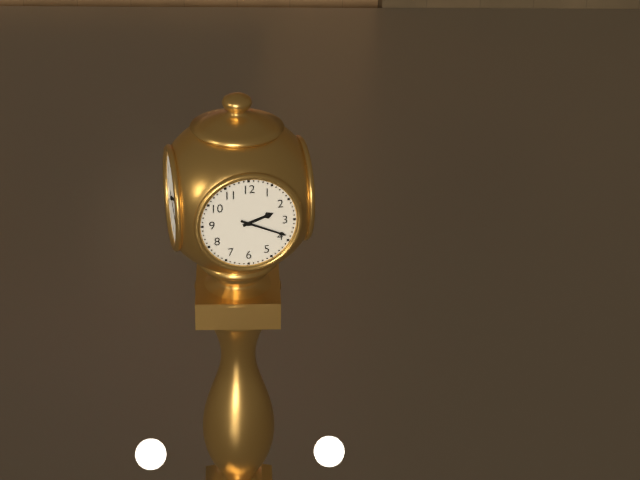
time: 2:19
